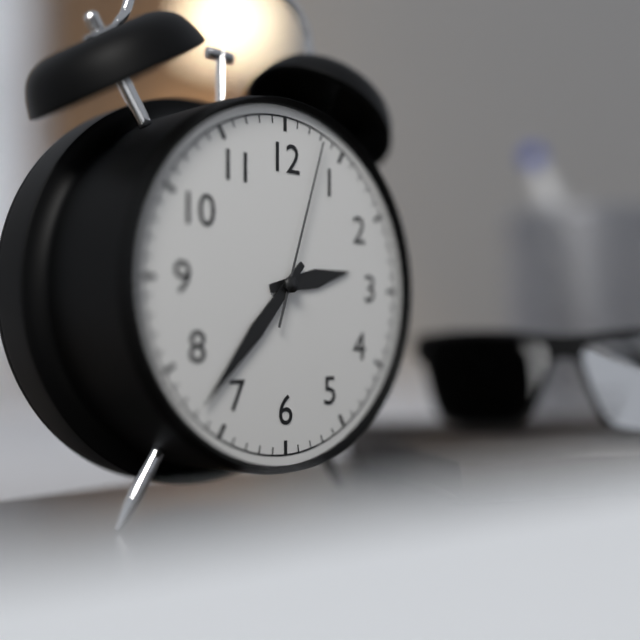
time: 2:37:03
